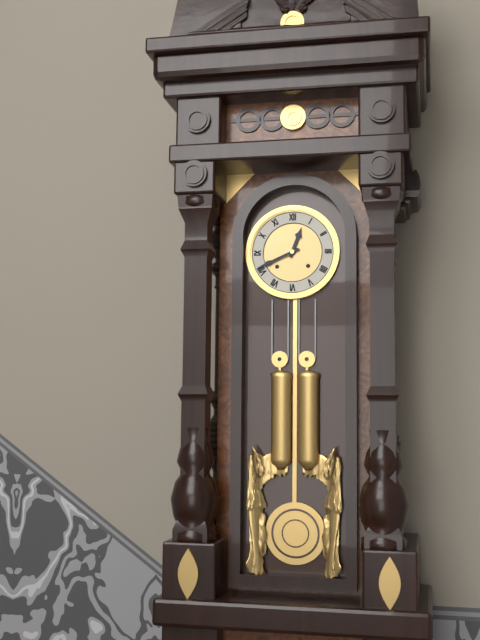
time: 12:41
